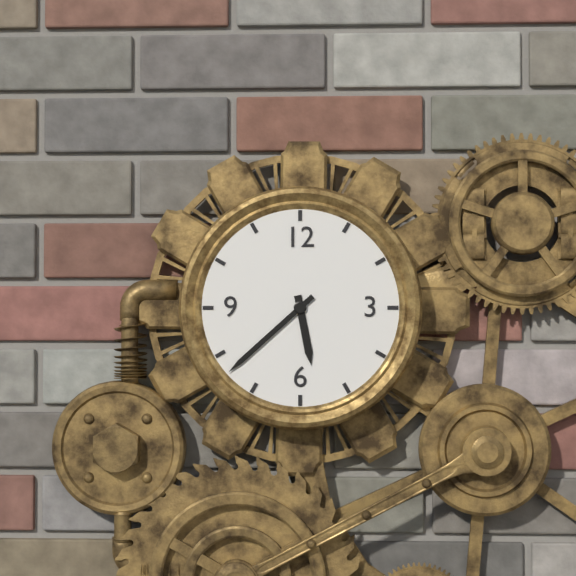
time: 5:38
